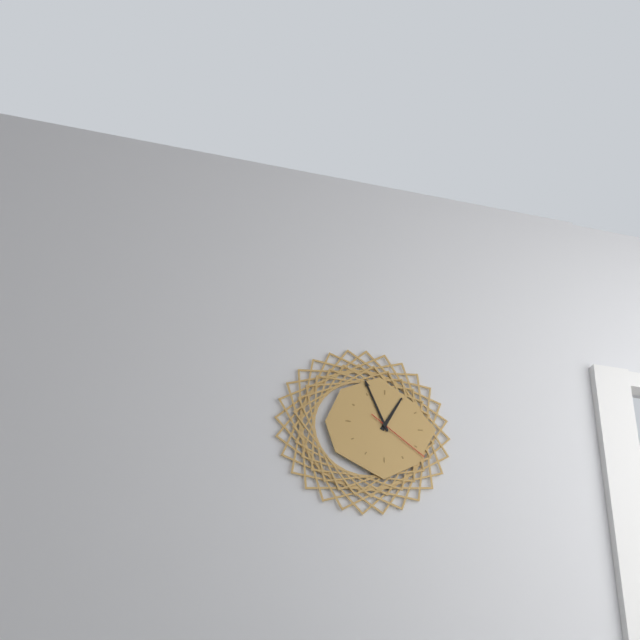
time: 12:56:21
